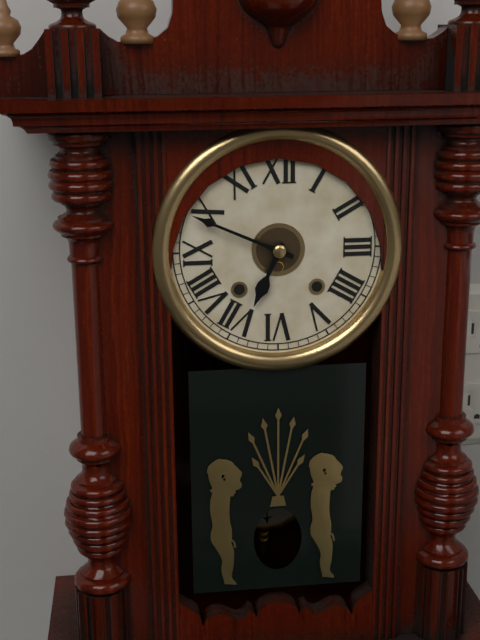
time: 6:49
